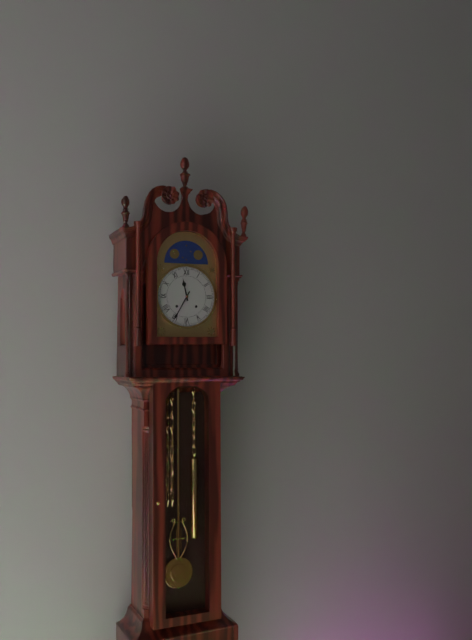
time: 11:35
